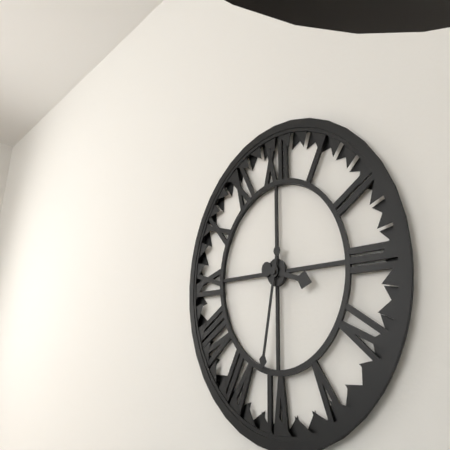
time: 3:32
